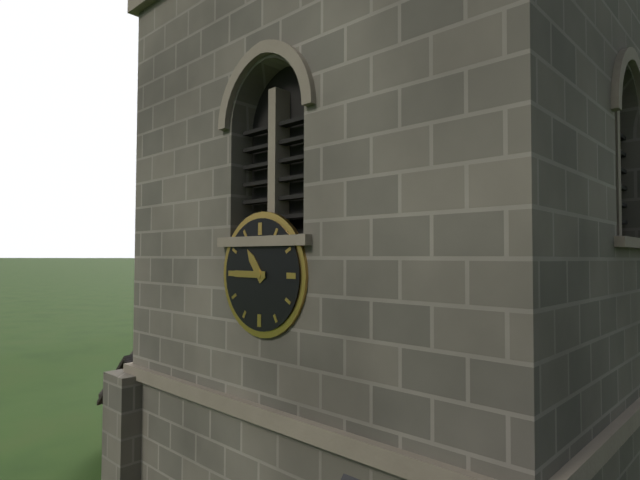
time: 10:45
